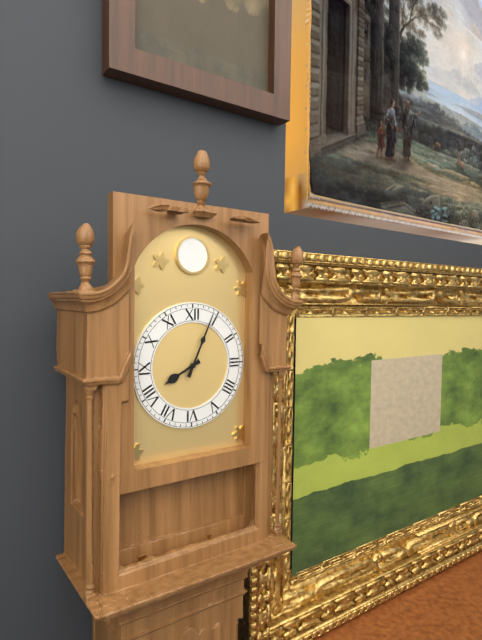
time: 8:04
